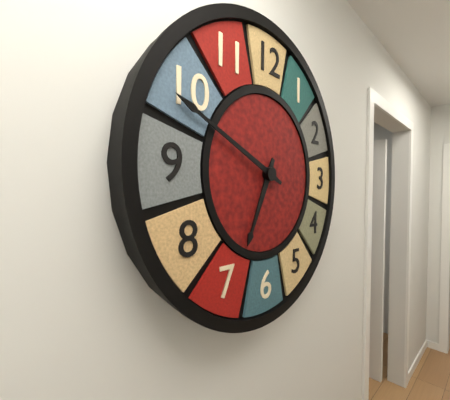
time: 6:49
